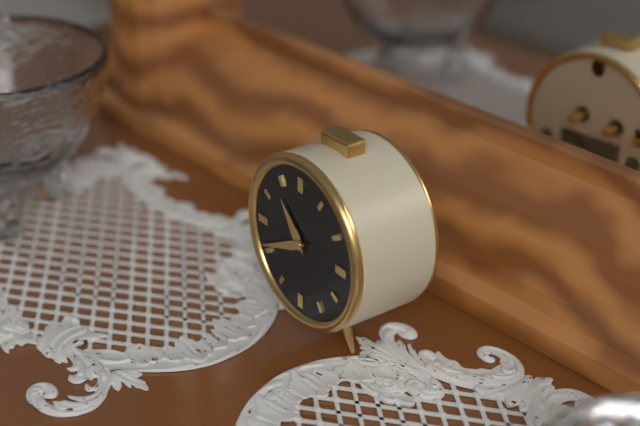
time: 10:41
